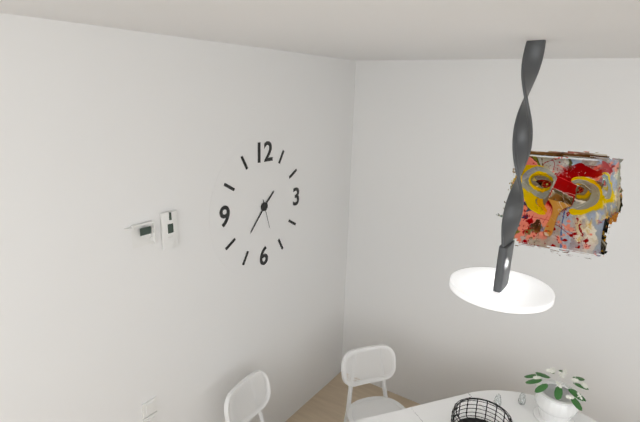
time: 1:37
